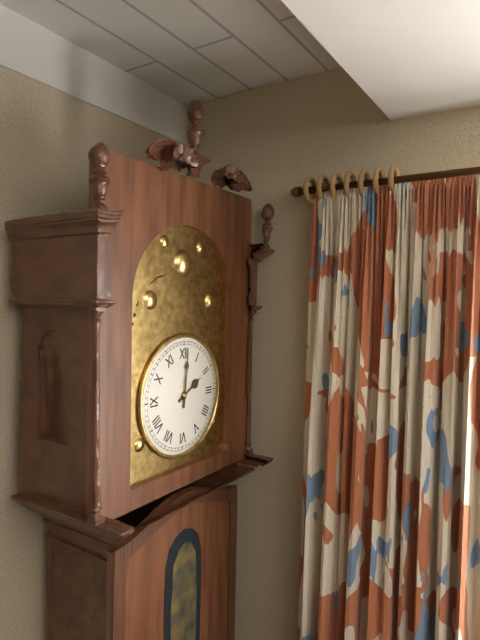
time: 2:01
